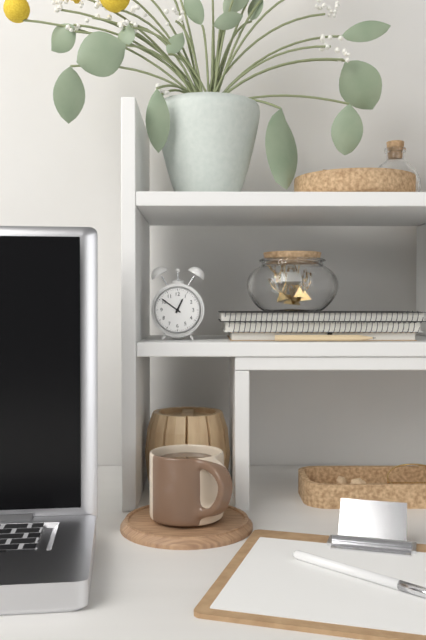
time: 12:51
